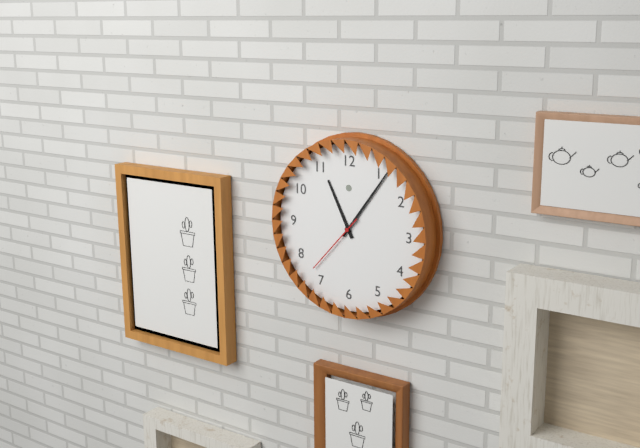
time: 11:06:37
